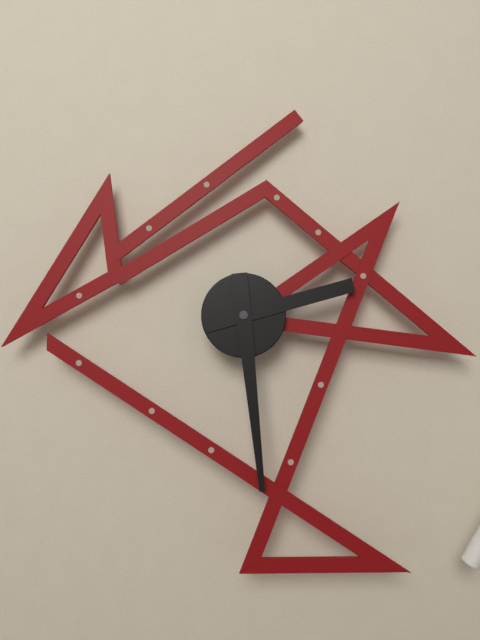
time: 2:29
